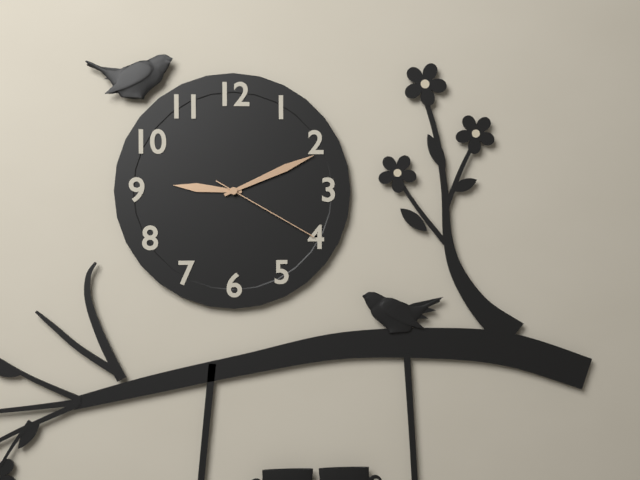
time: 9:11:20
